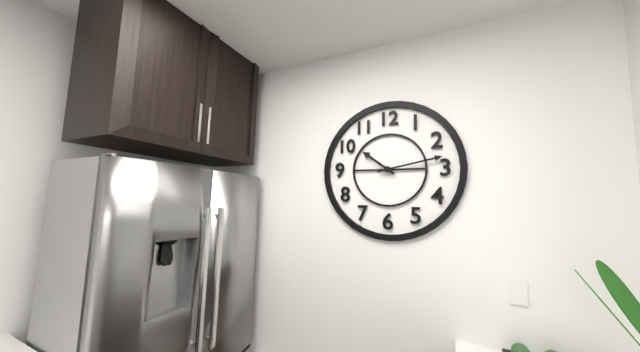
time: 10:13
